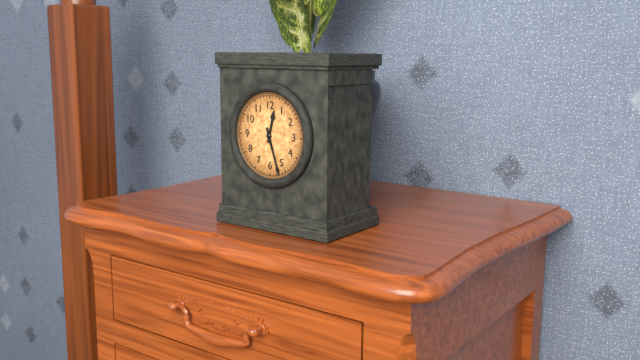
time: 12:27
